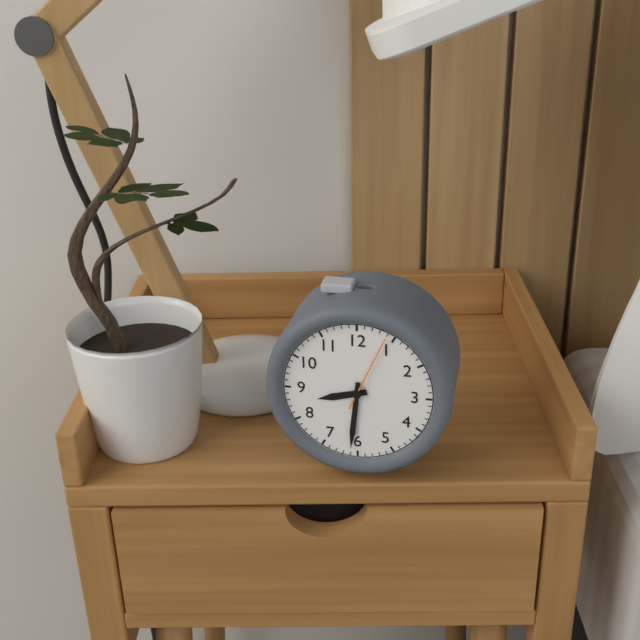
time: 8:31
